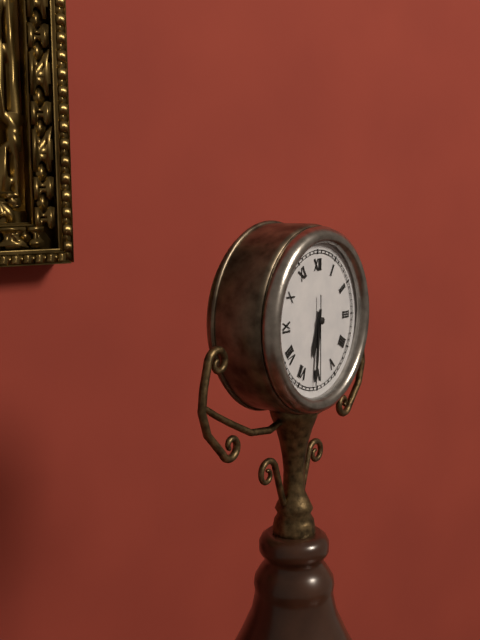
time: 6:31:30
